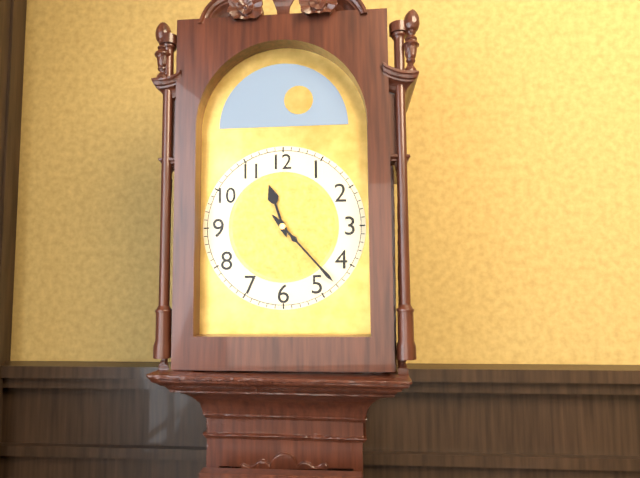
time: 11:23
